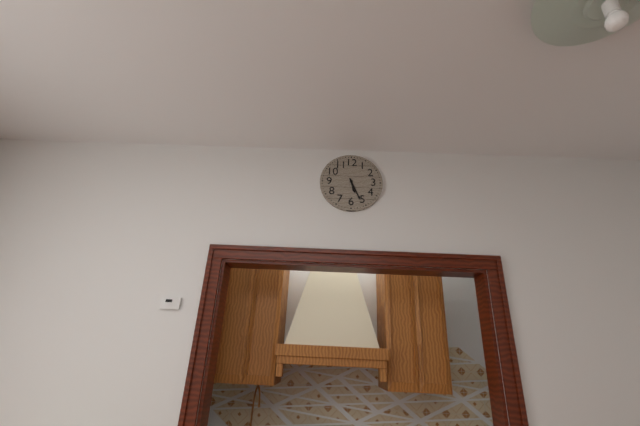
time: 5:26
